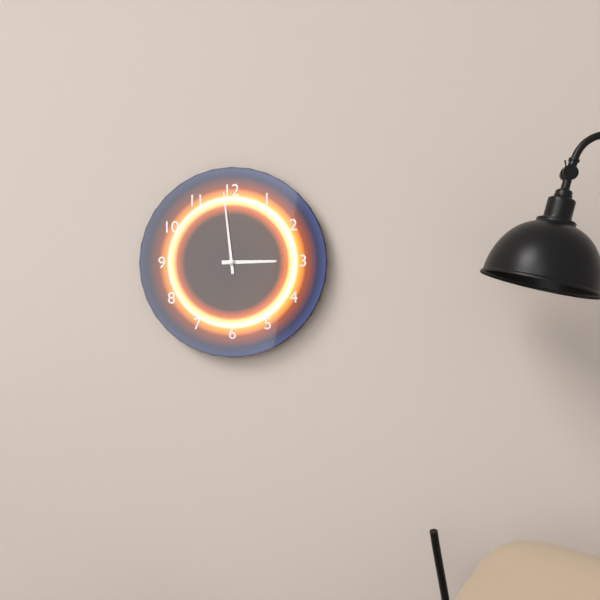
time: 2:59
